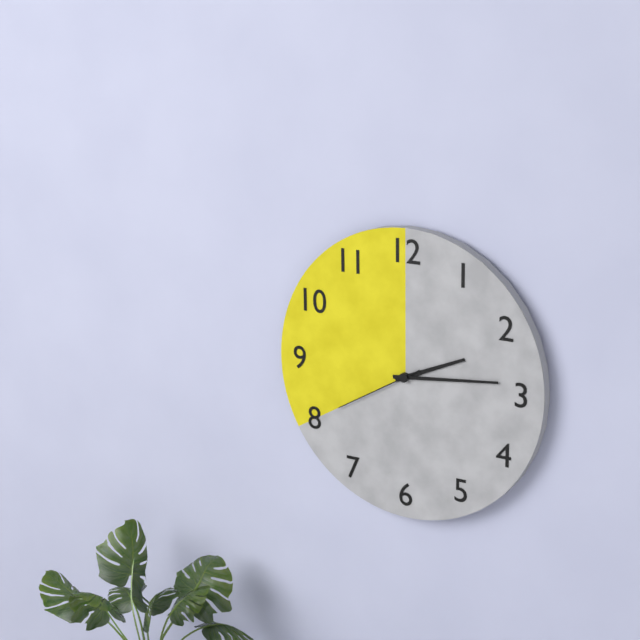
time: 2:14:40
